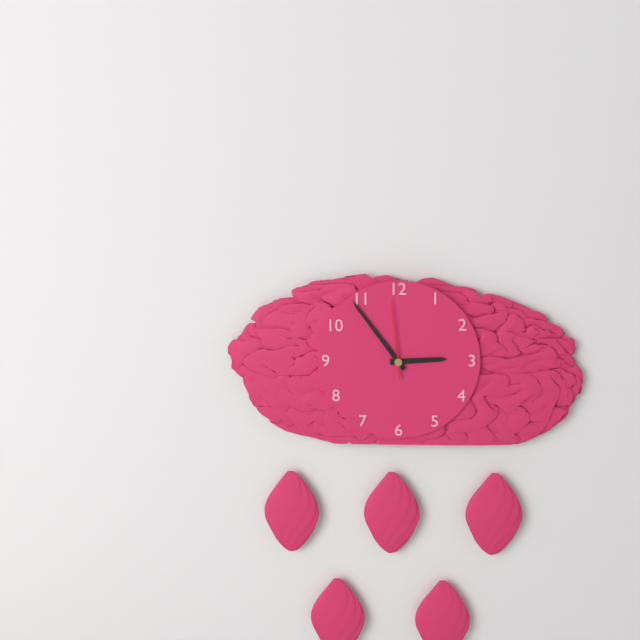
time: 2:54:59
